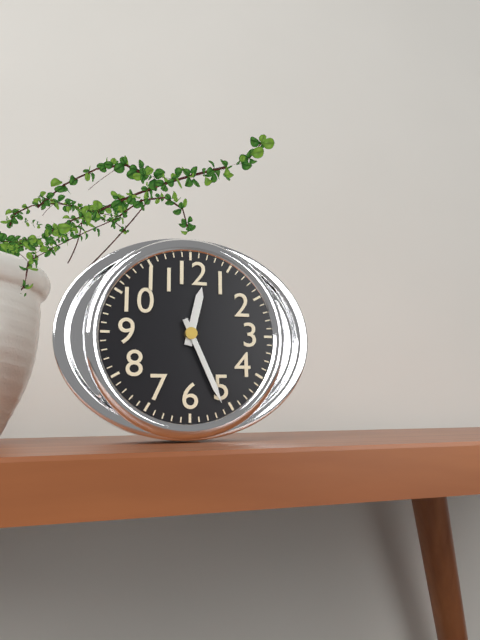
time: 12:26
